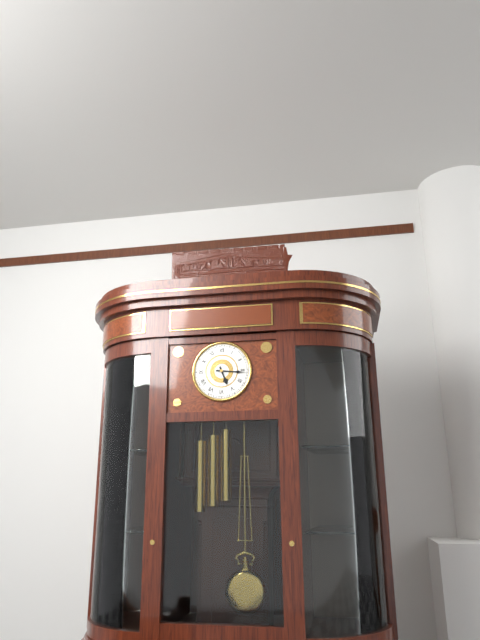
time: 5:16
